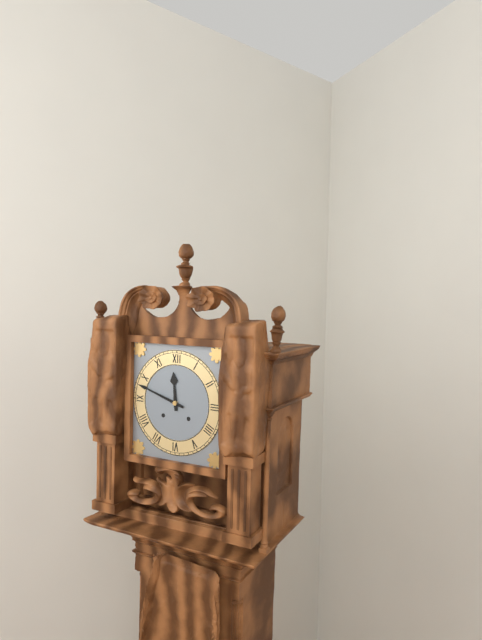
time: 11:48
